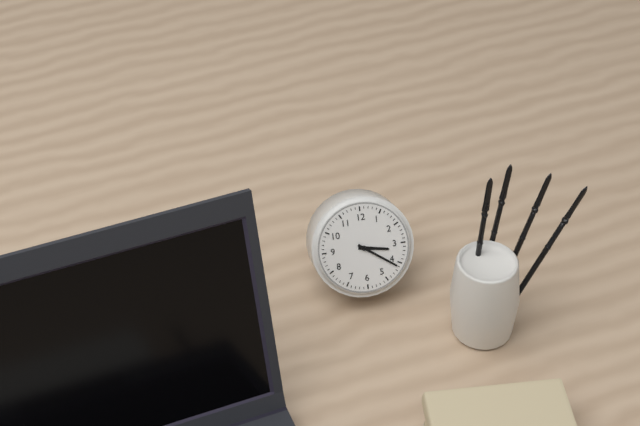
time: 3:21
